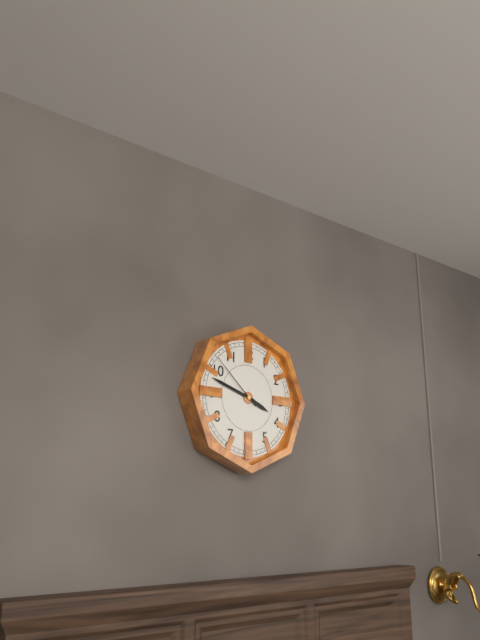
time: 3:48:52
